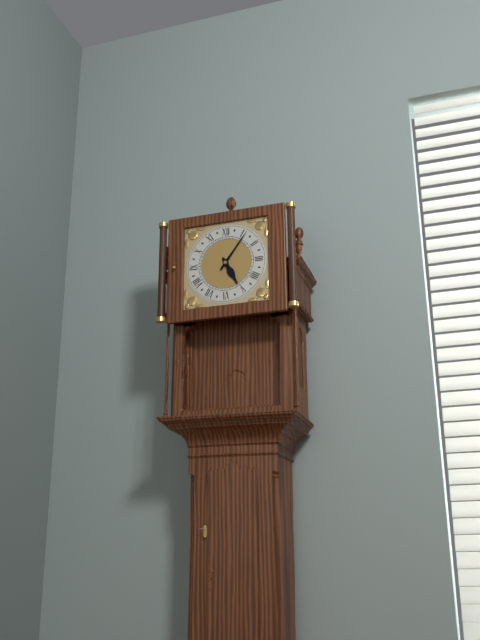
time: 5:06
